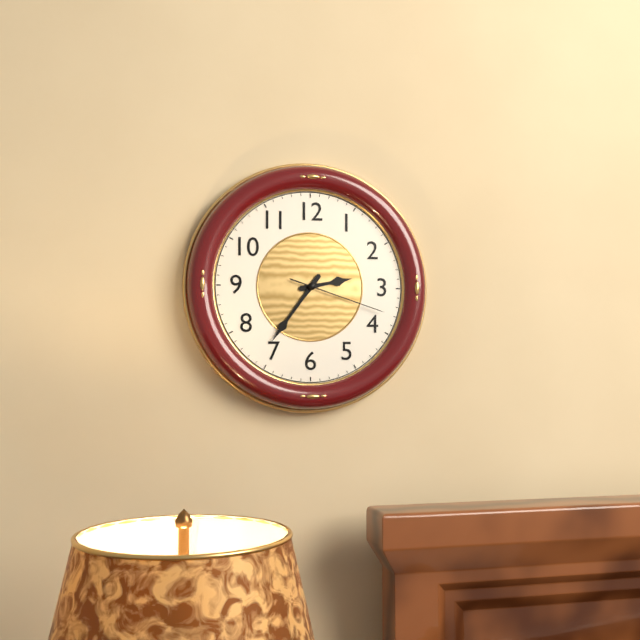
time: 2:36:18
